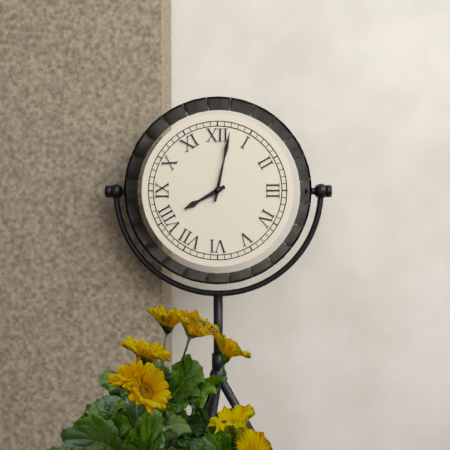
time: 8:02
